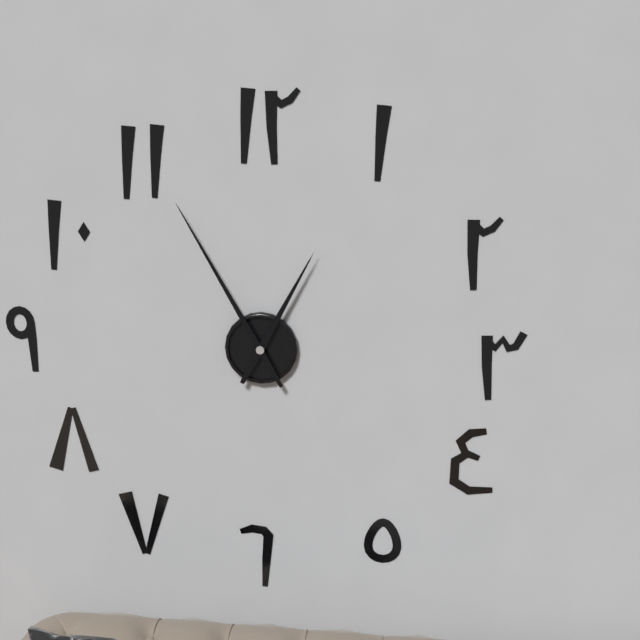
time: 12:55
